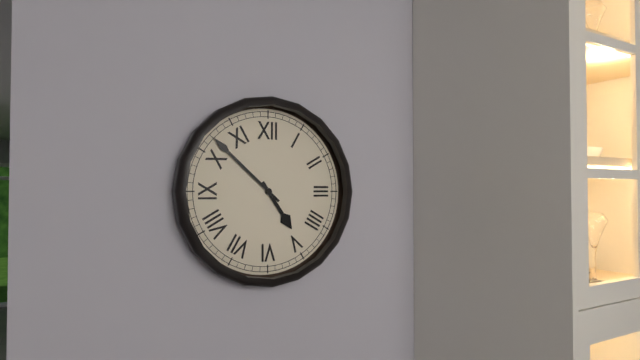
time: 4:52
